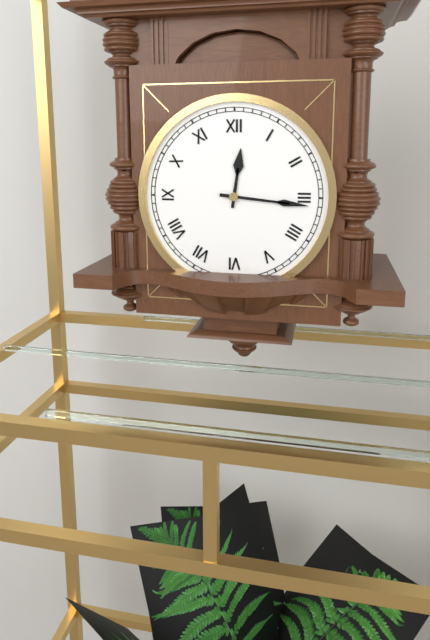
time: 12:16
